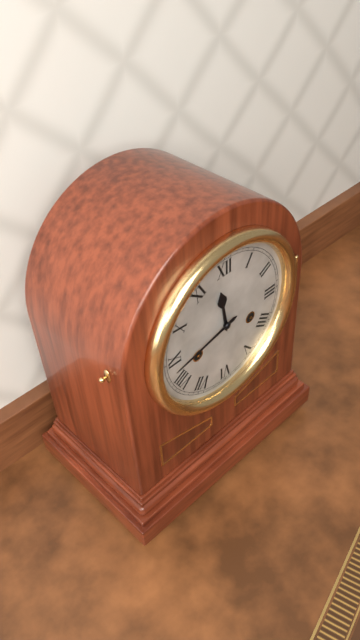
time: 11:43
